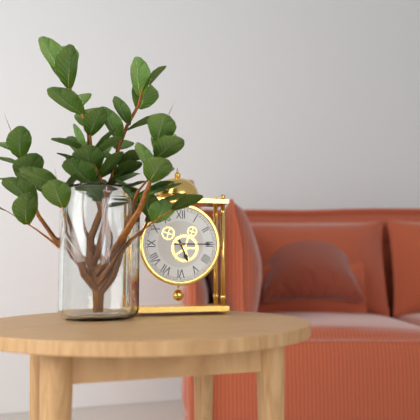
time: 5:15
